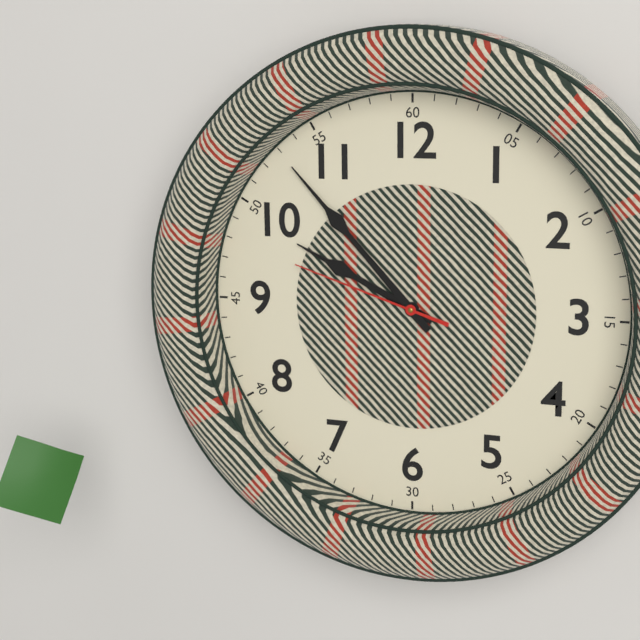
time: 9:53:48
